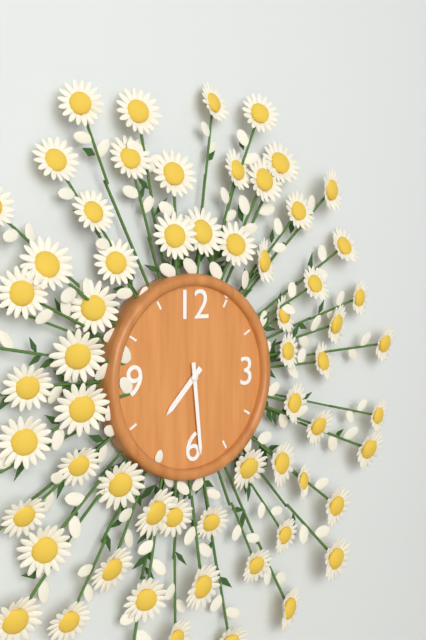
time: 7:29
